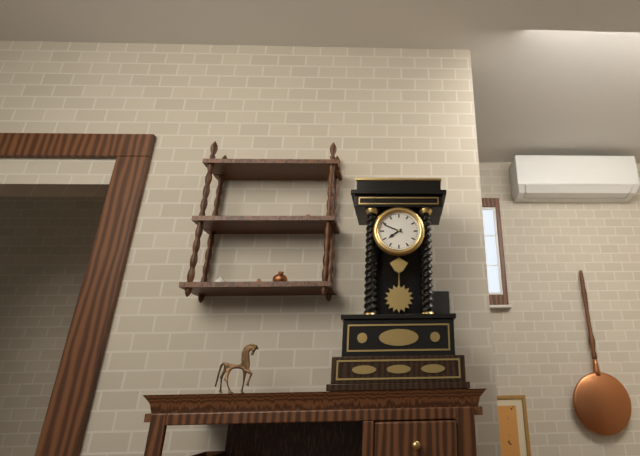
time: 7:49
